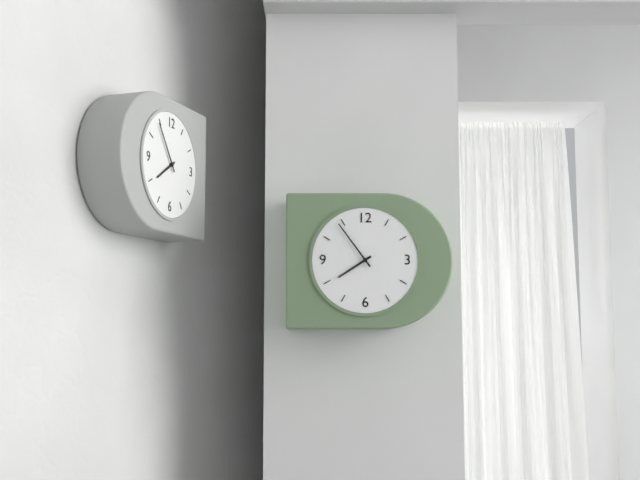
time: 7:54
